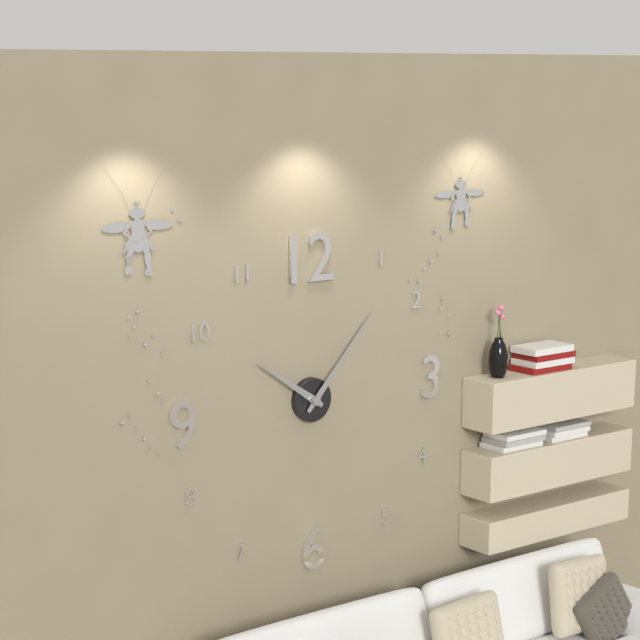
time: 10:07
